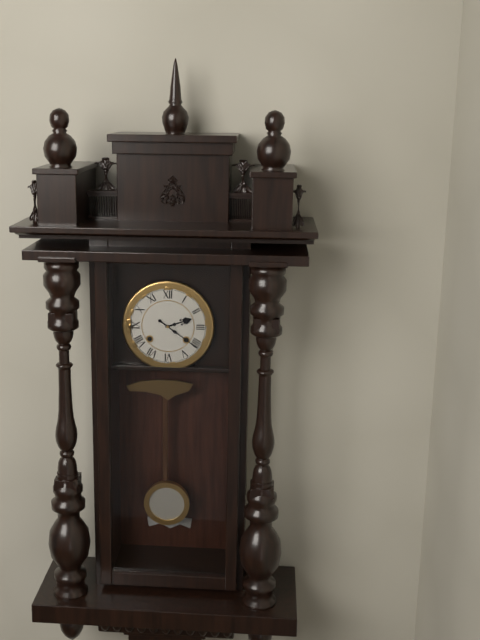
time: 2:21
